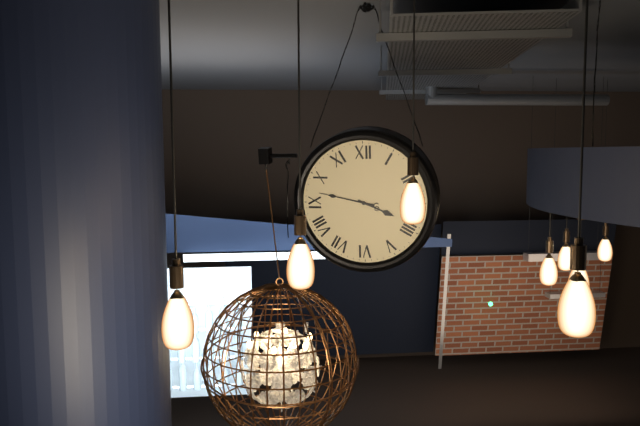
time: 3:47
